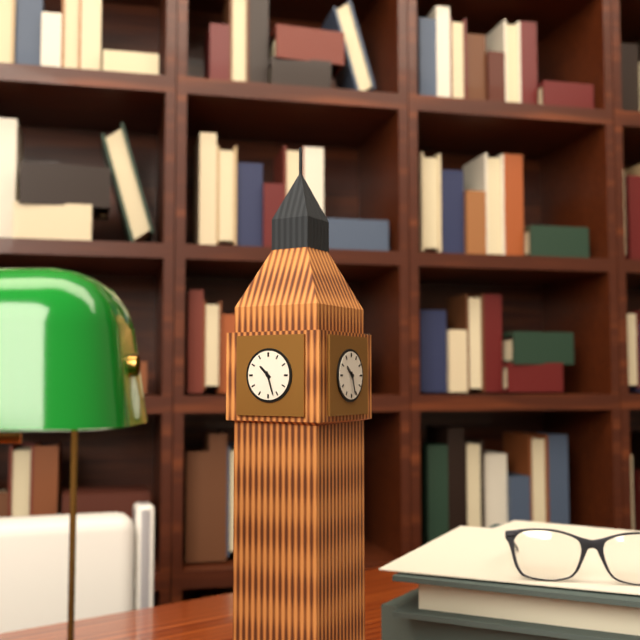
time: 10:27
